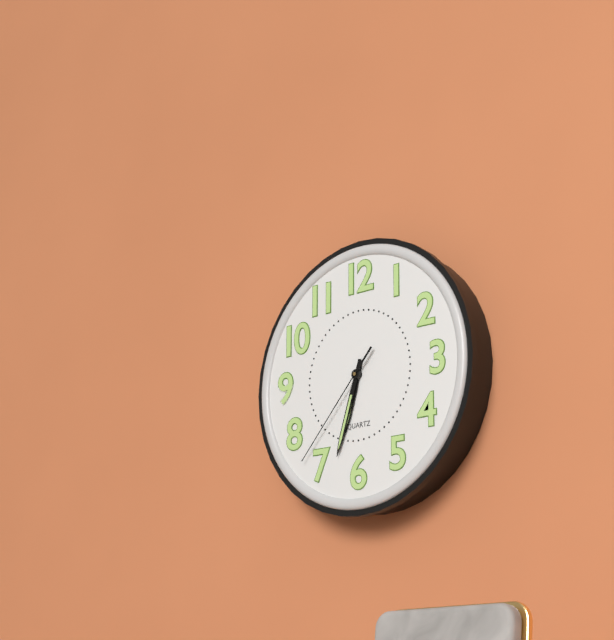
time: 6:33:37
